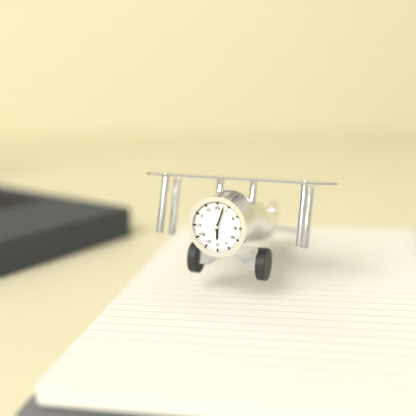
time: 6:03
